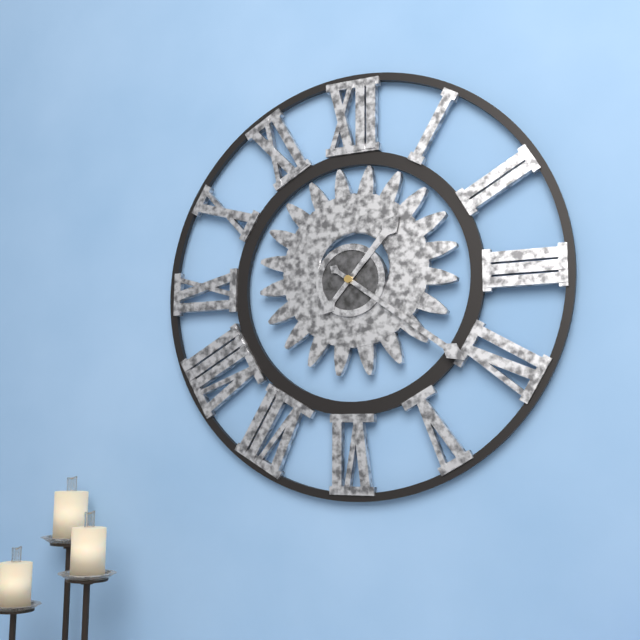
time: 1:21
